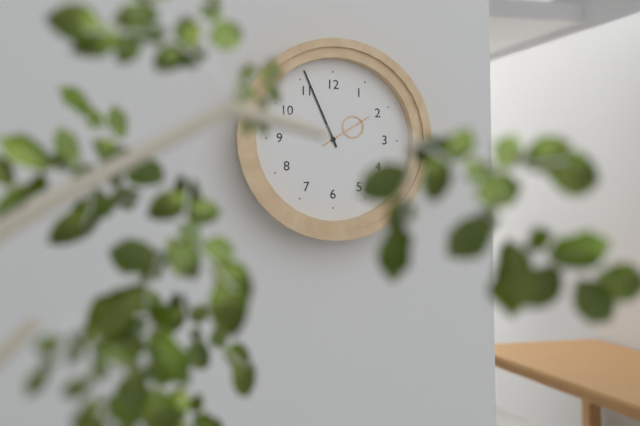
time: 1:56
